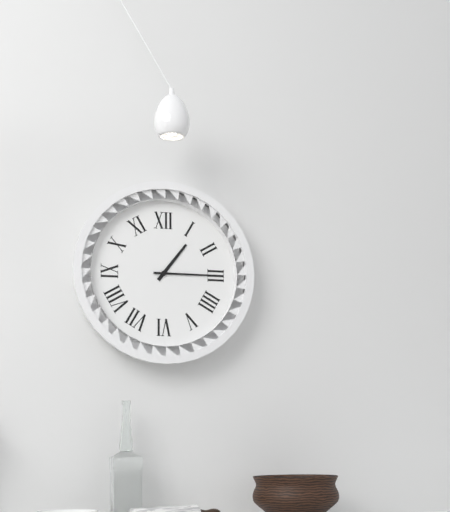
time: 1:15
